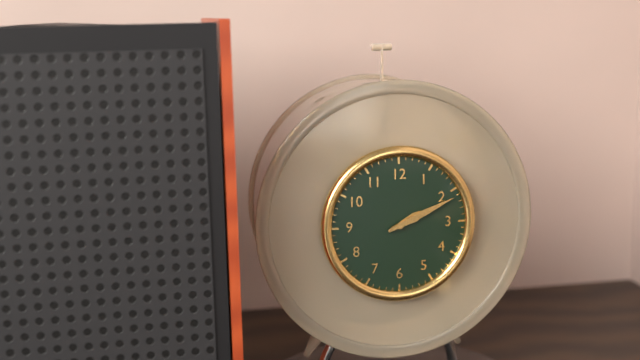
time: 2:11
